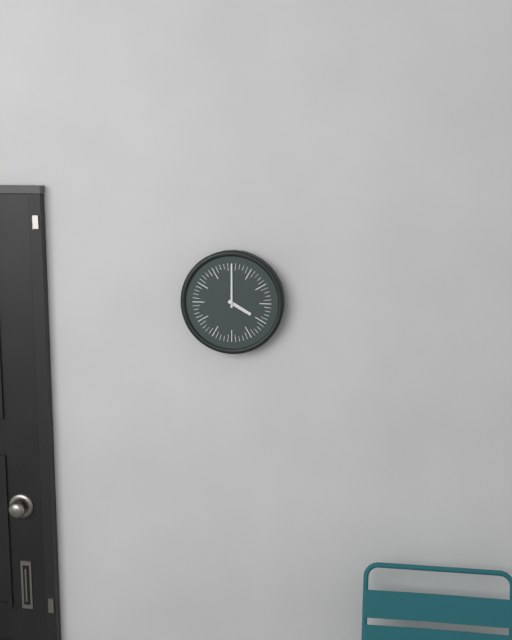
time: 4:00
